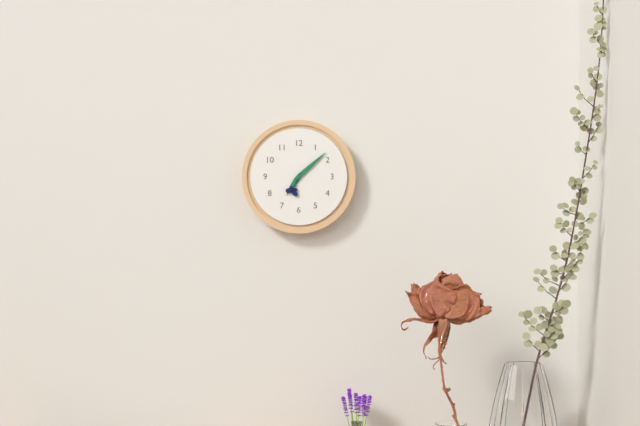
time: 7:08
